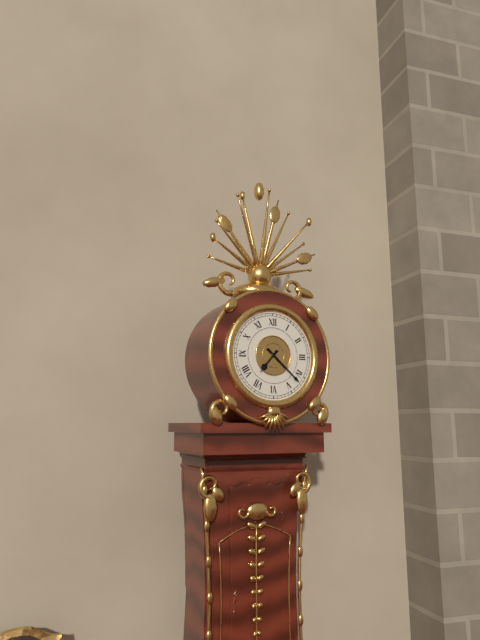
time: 7:22
